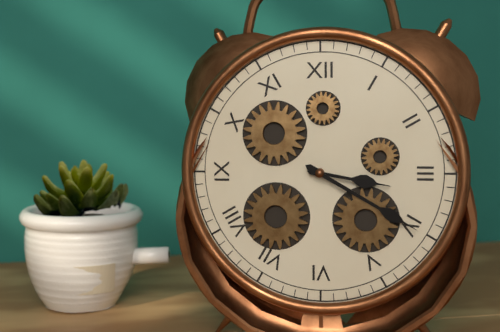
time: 3:20
